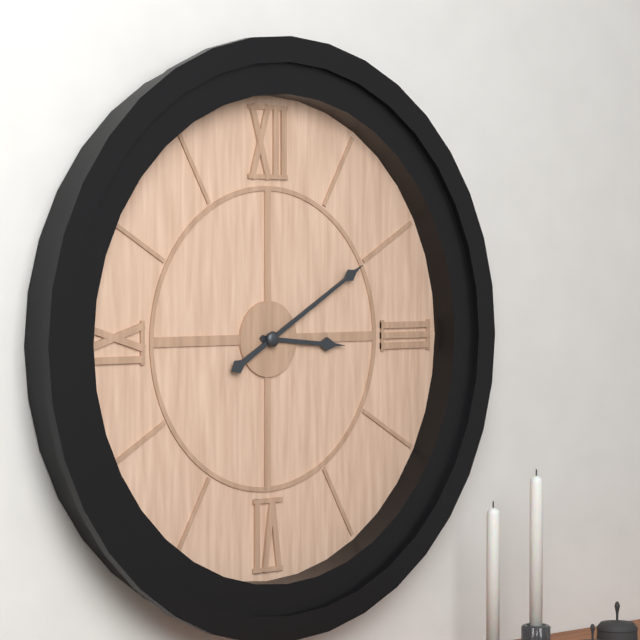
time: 3:10
